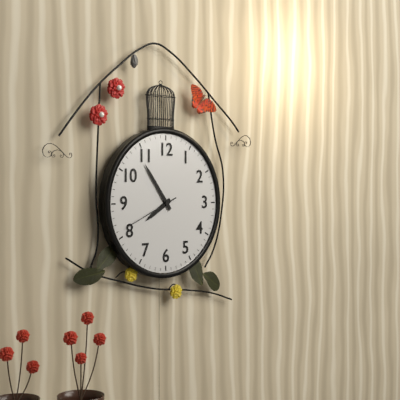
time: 7:54:41
